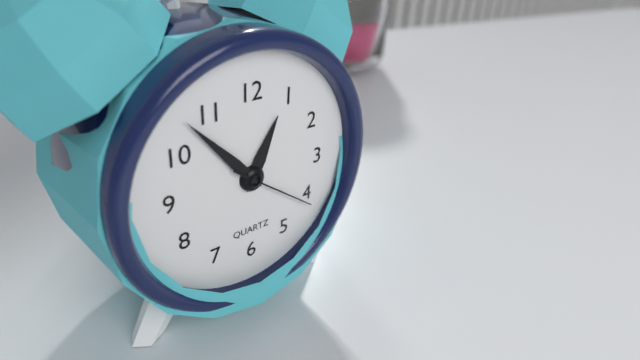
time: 12:53:21
